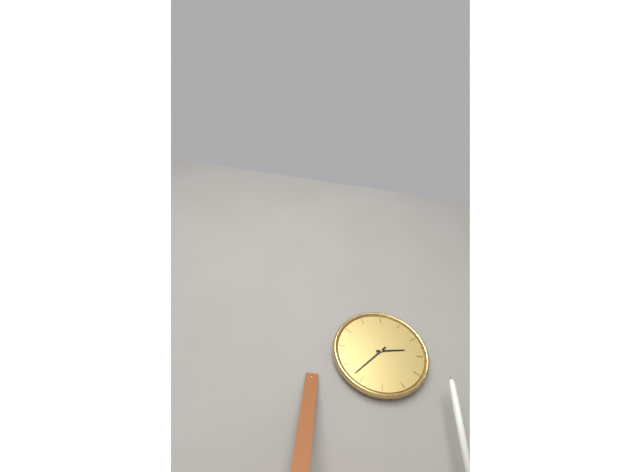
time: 2:37
